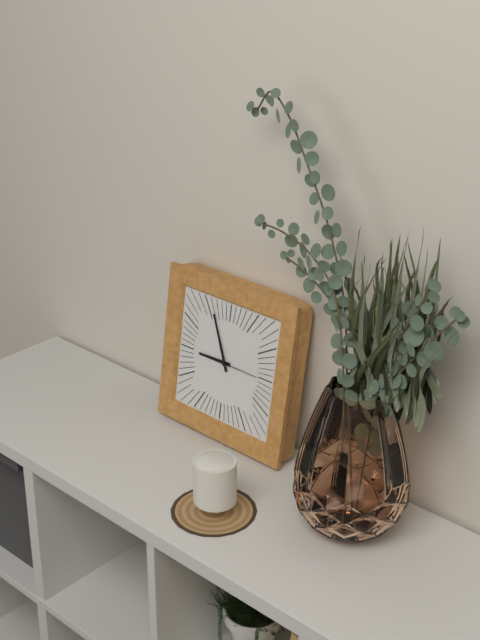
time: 8:56
